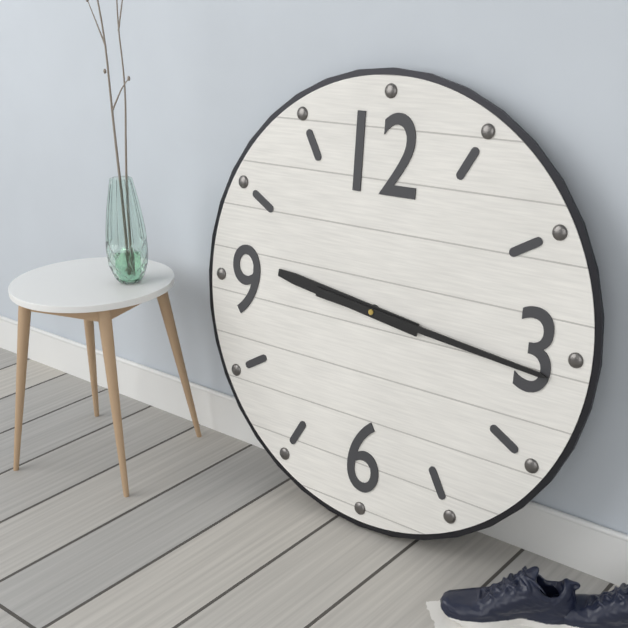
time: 9:16
